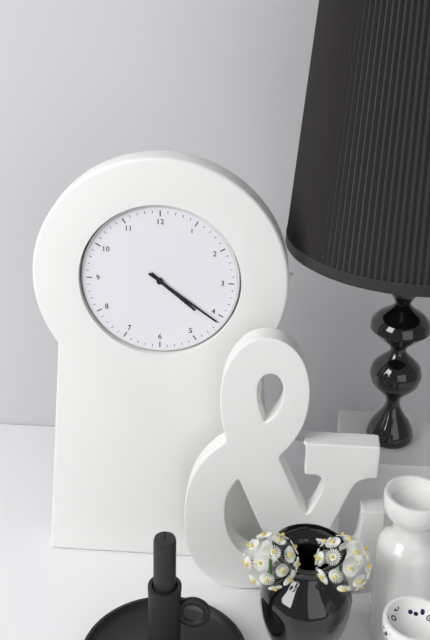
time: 4:21
